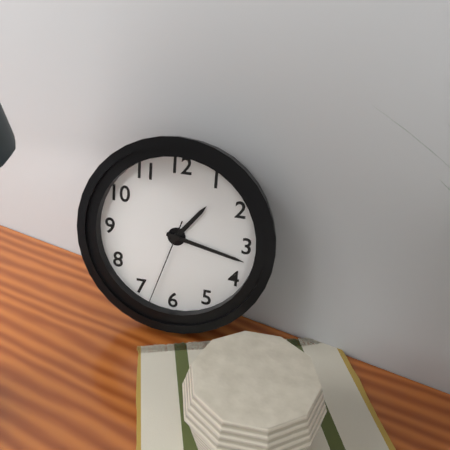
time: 1:17:33
